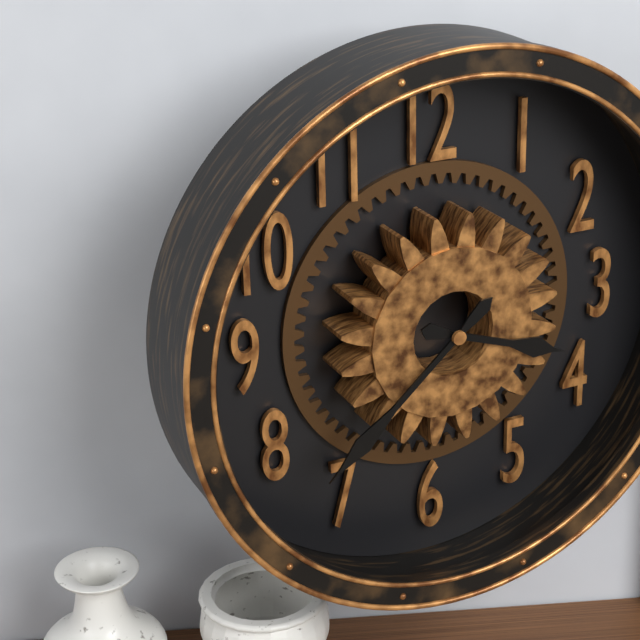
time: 3:38
